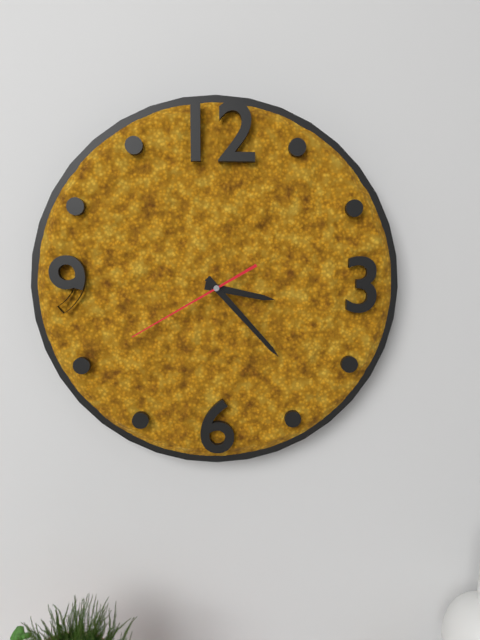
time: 3:23:40
